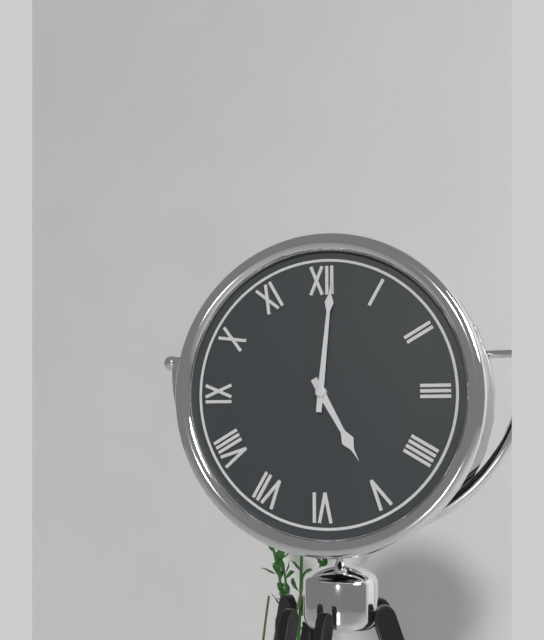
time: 5:01
